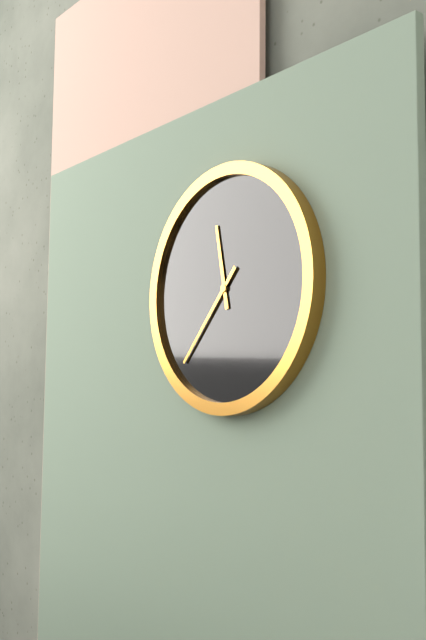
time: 11:37
